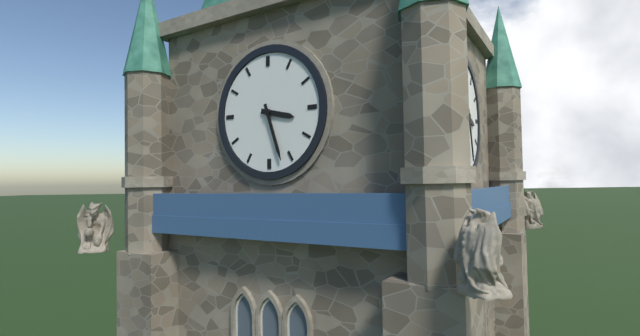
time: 3:27
